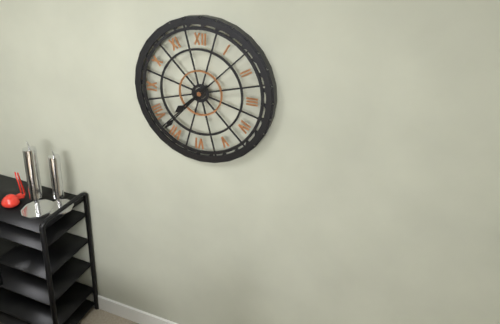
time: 7:37
